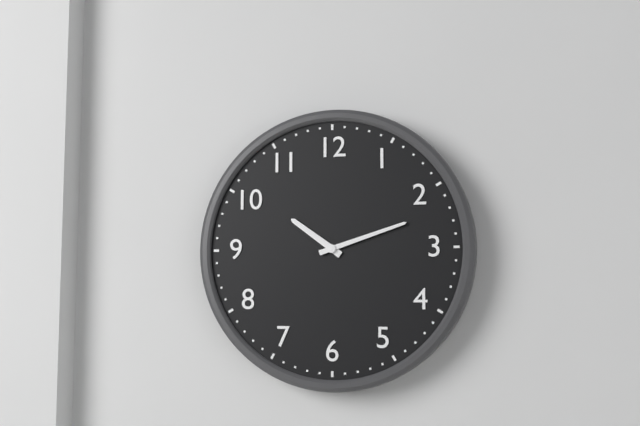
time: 10:12
